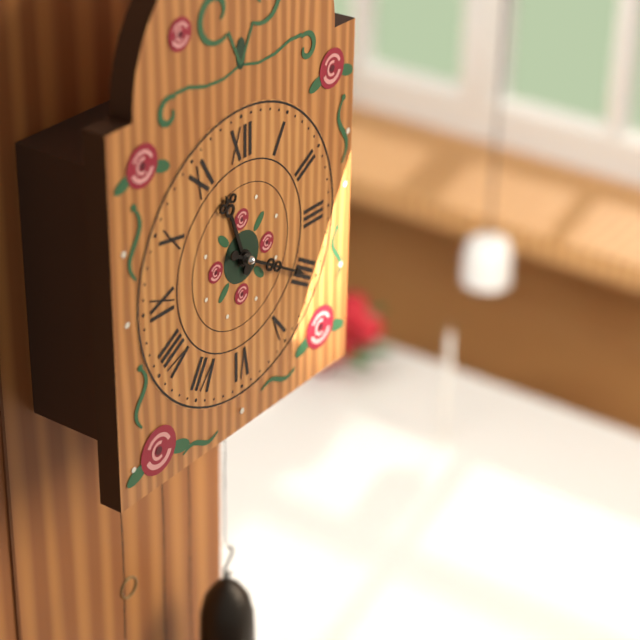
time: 11:20
